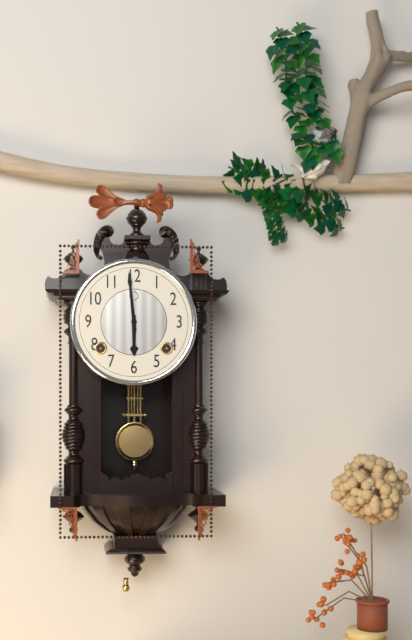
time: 5:59
